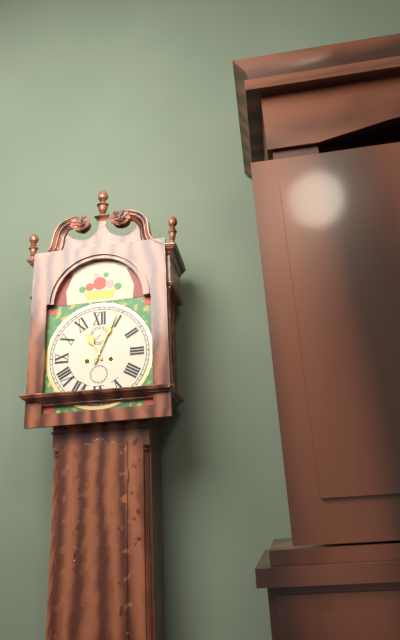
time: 11:04
